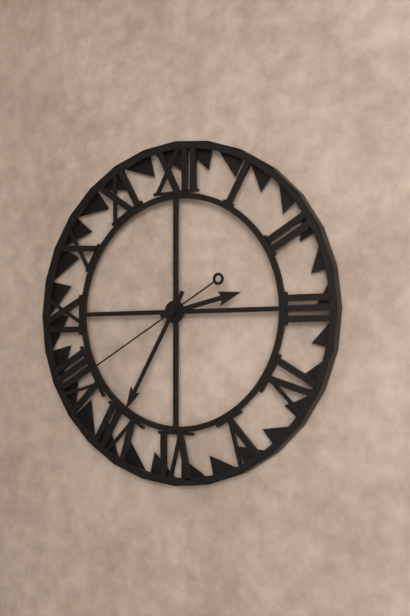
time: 2:35:40
